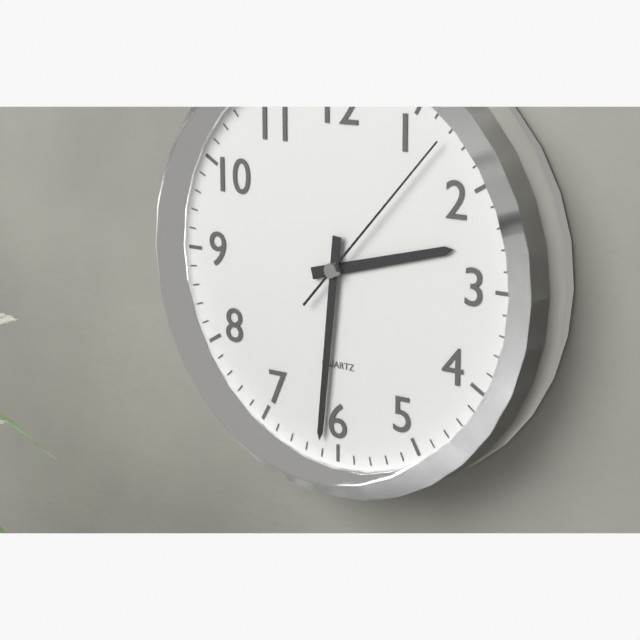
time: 2:31:07
